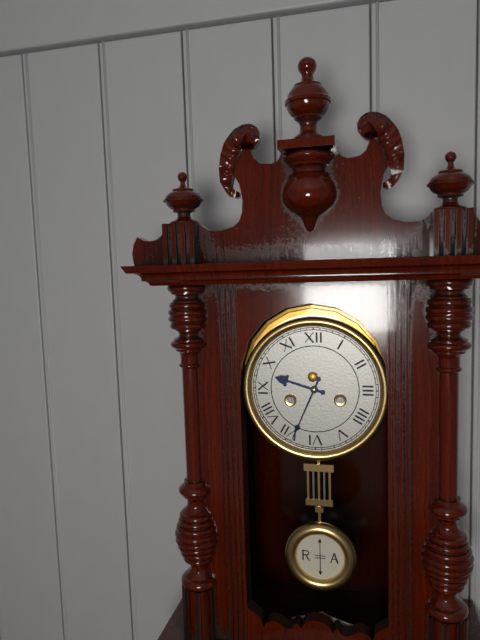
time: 9:34
